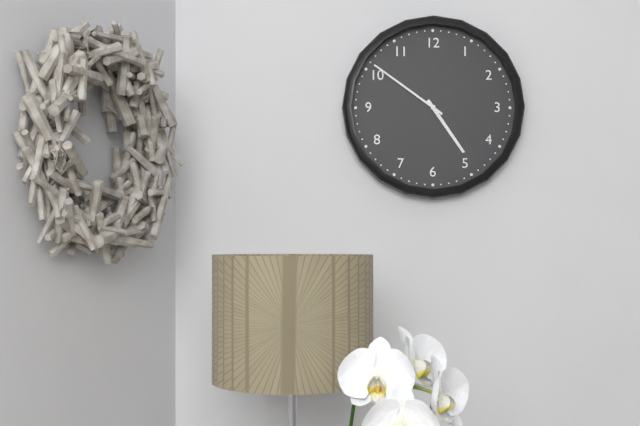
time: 4:51
